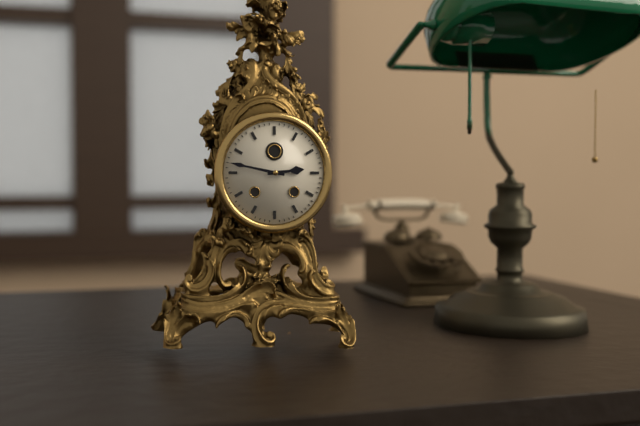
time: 2:47
